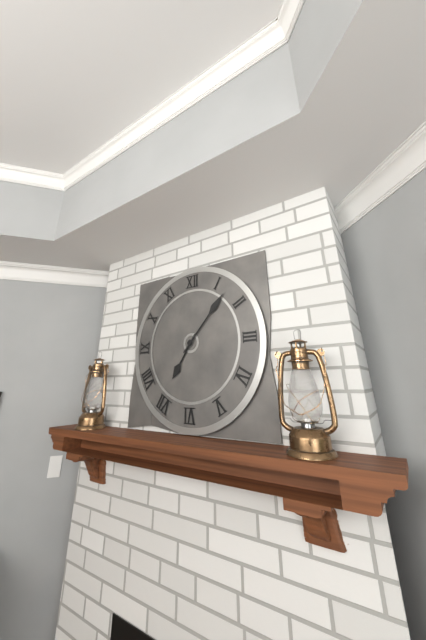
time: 7:07
